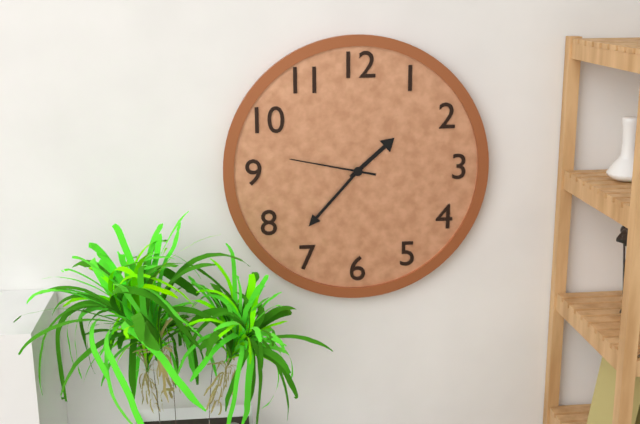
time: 1:37:47
